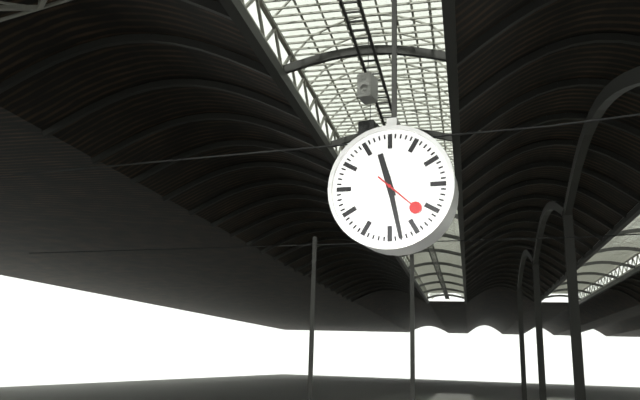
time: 11:28
